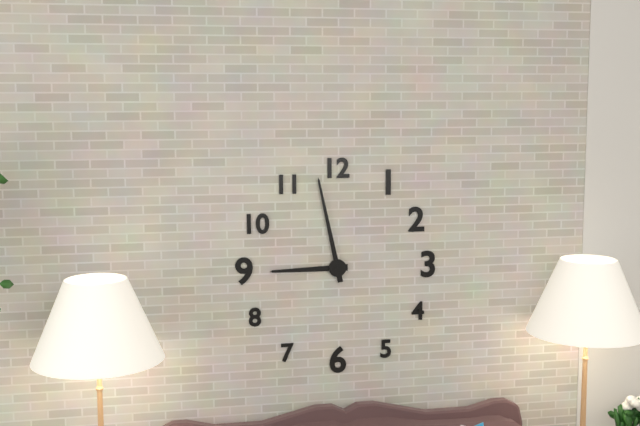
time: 8:58
